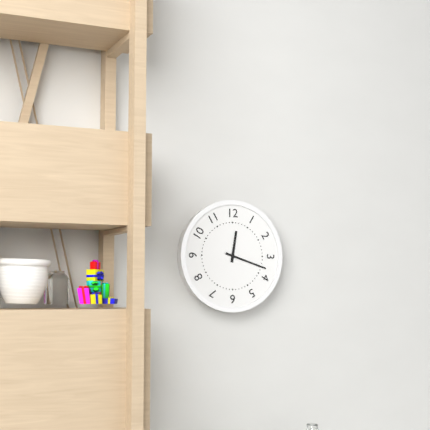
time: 12:18
